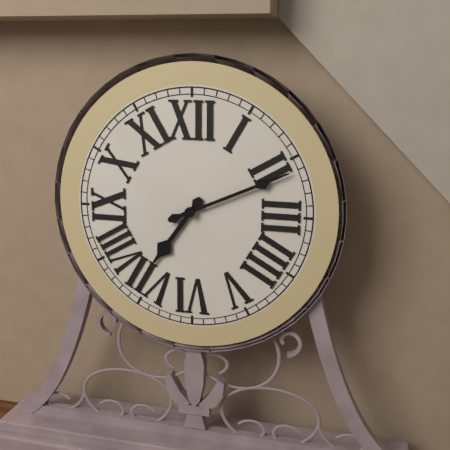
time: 7:11
